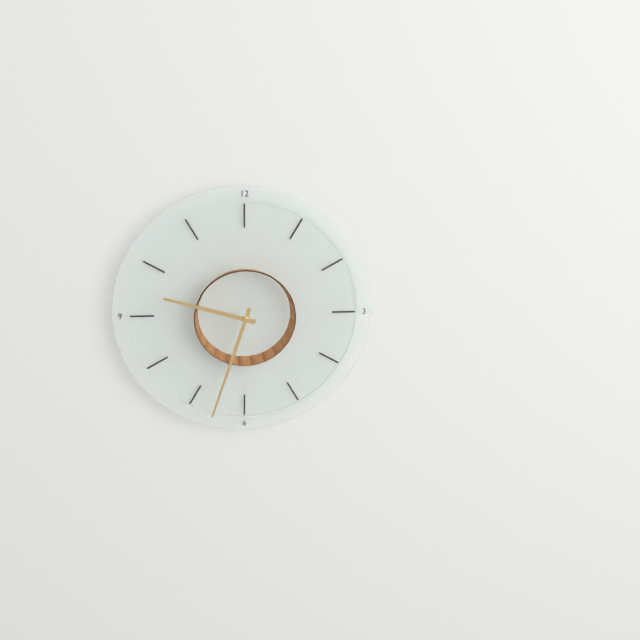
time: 9:33
